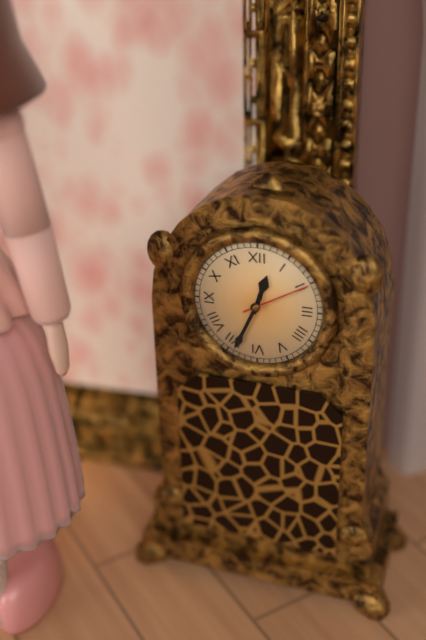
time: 12:34:10
